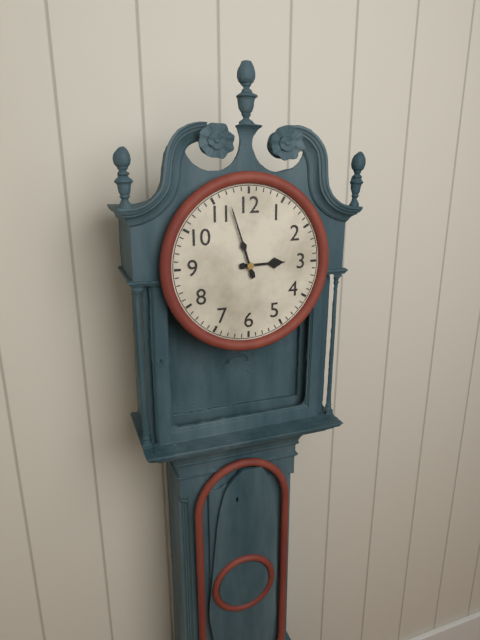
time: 2:57
